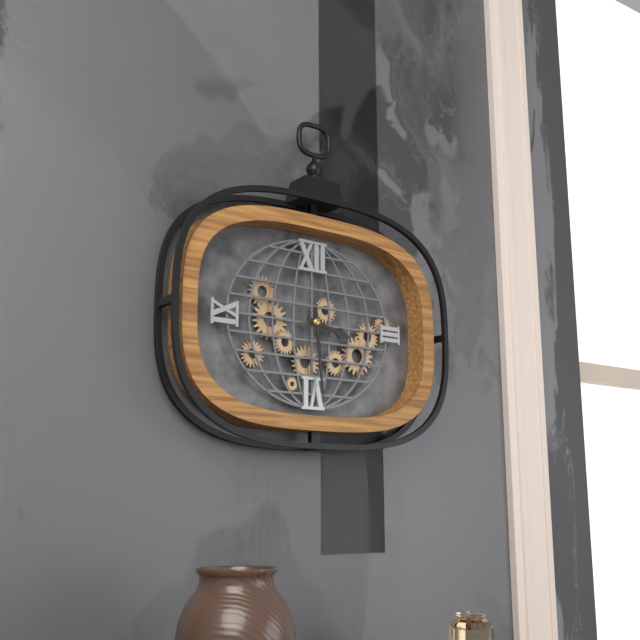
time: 3:29
